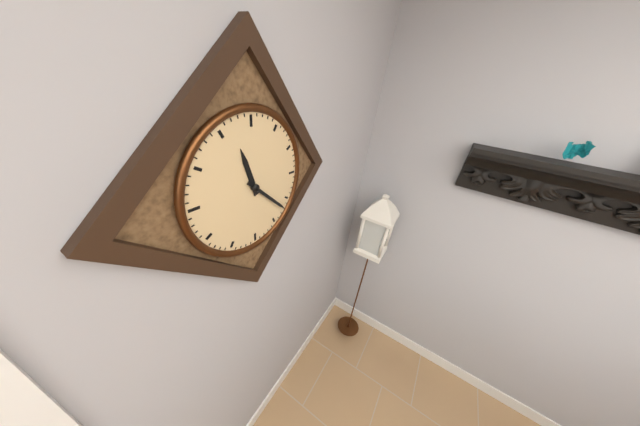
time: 11:22
